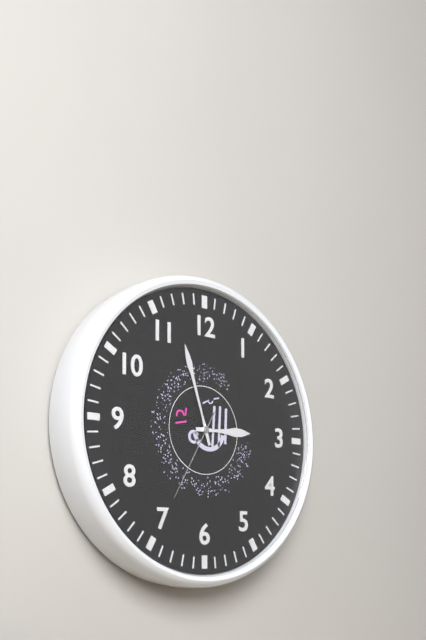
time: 2:57:35
